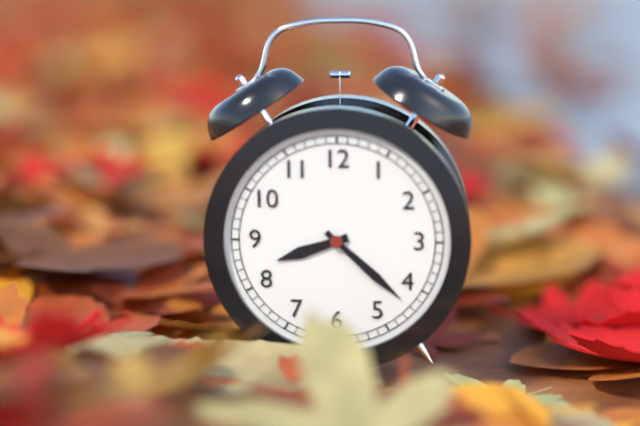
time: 8:22
